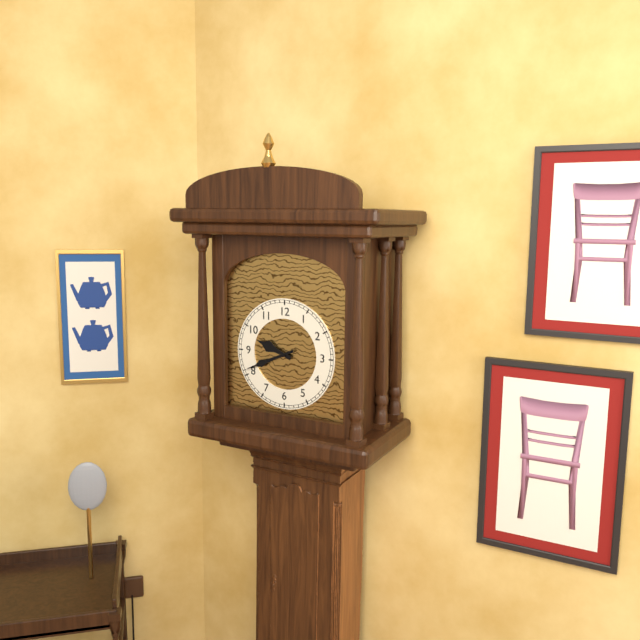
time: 9:41
